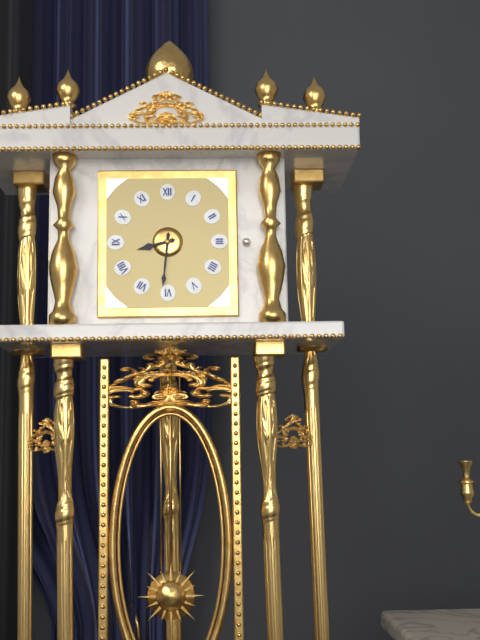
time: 8:31
